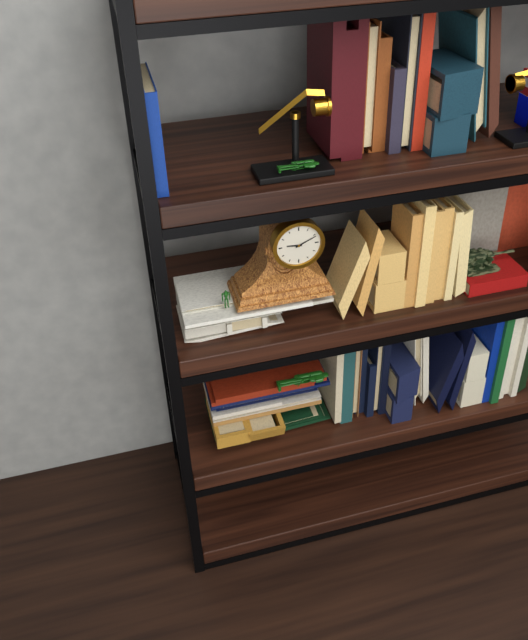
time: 9:11
